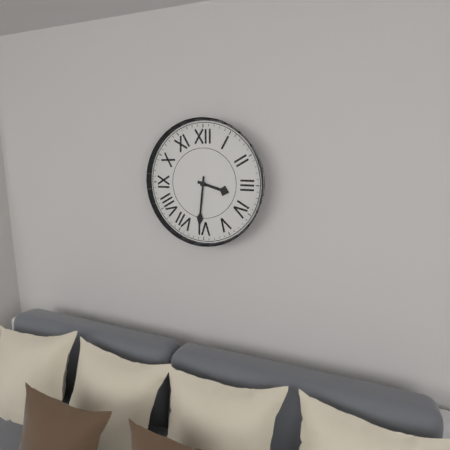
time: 3:31
